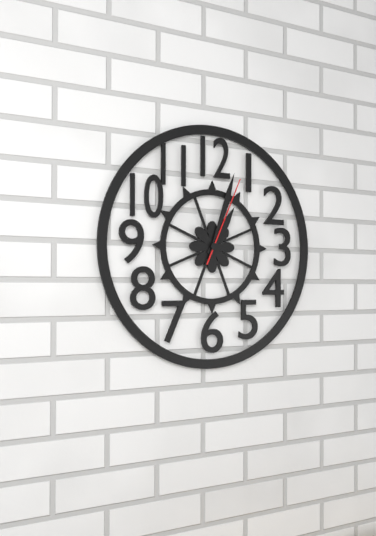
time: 1:03:04
